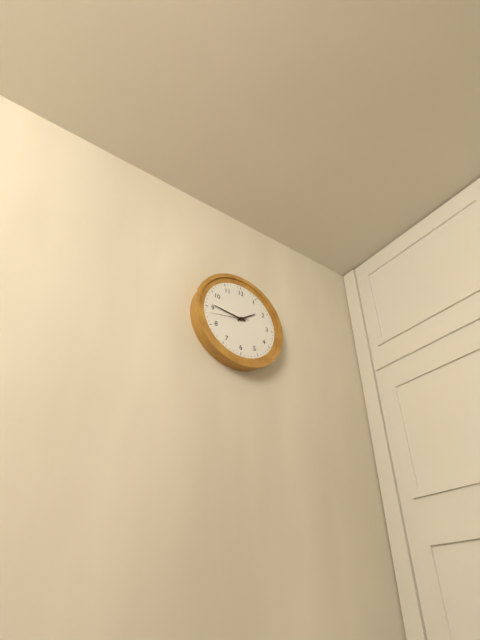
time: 1:46
